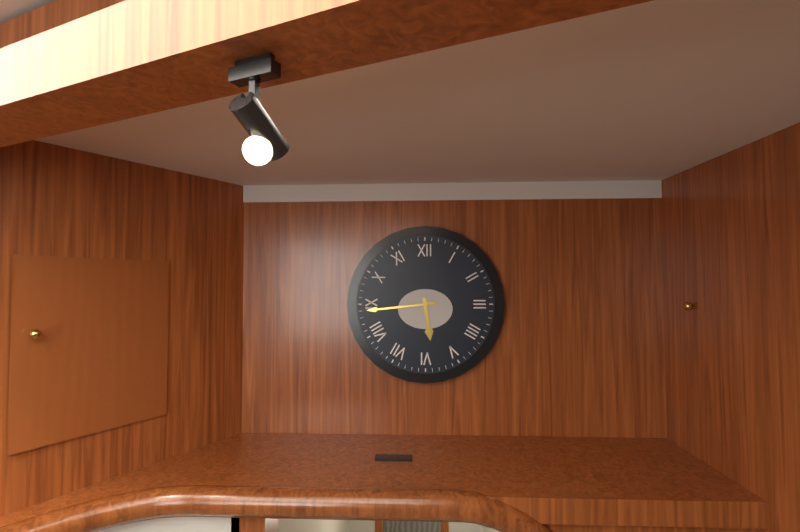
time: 5:44
